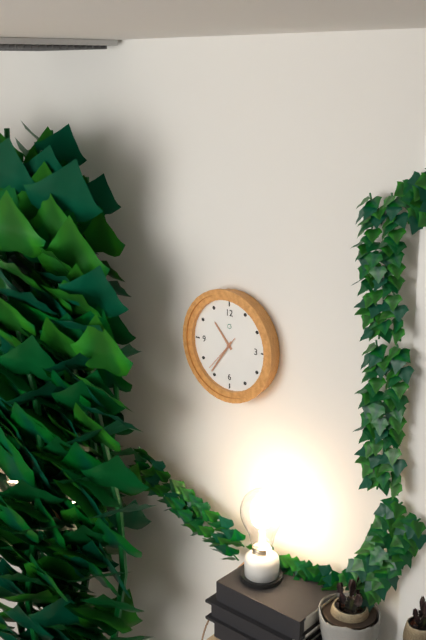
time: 10:36
